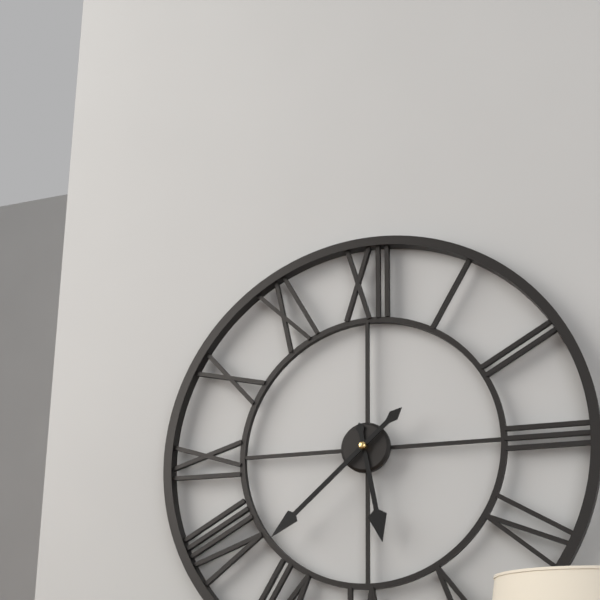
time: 5:38
